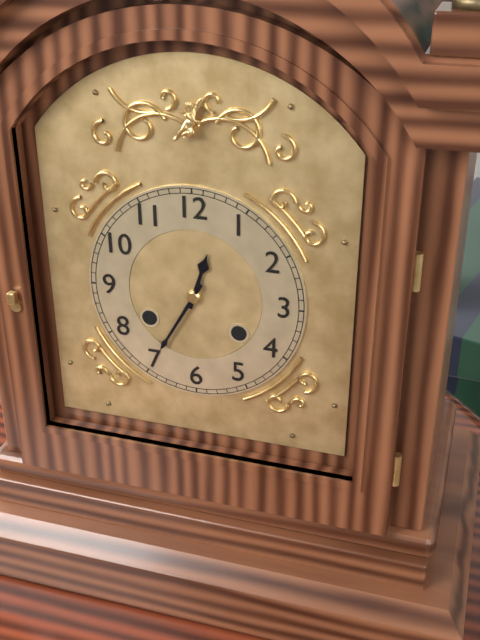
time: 12:35
